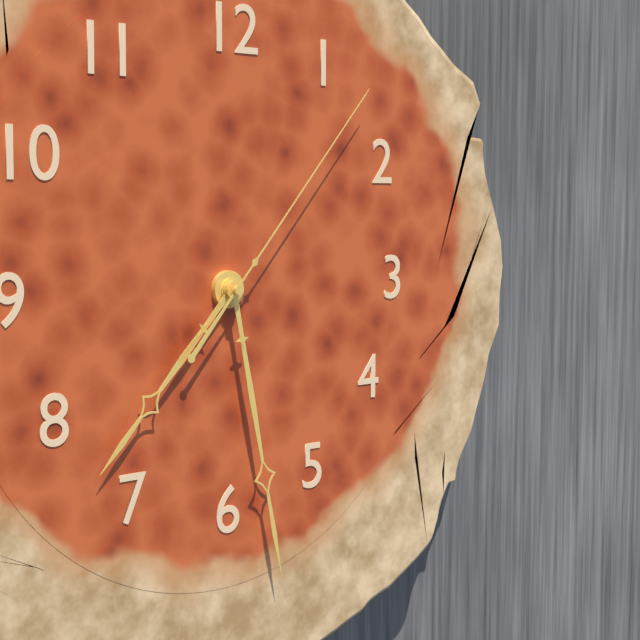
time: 7:28:07
